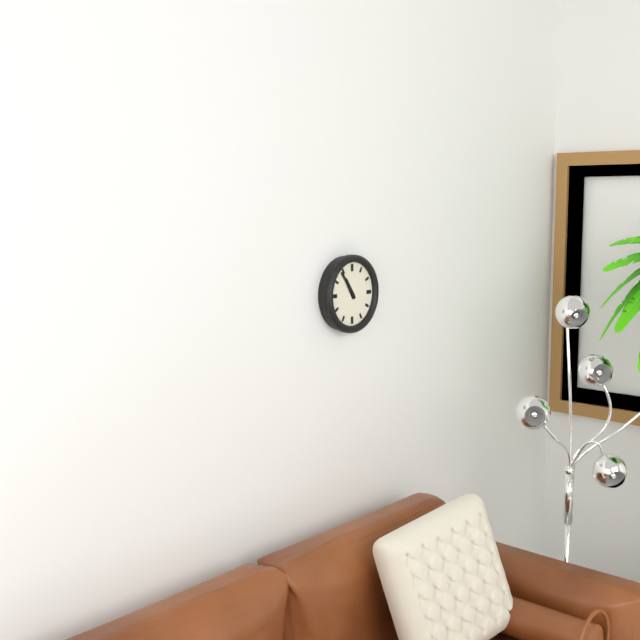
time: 10:54
